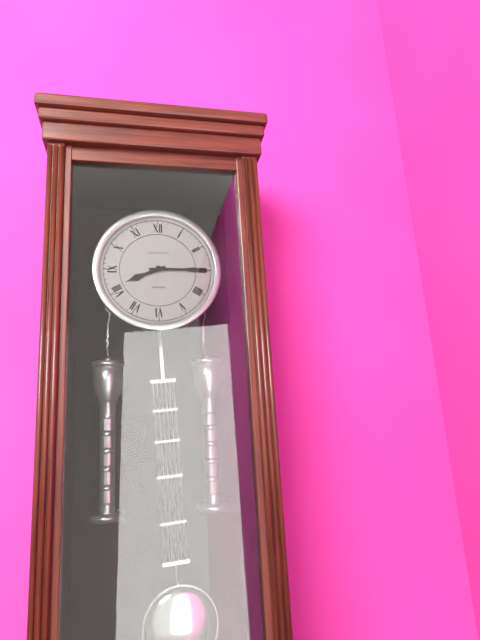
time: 8:15
